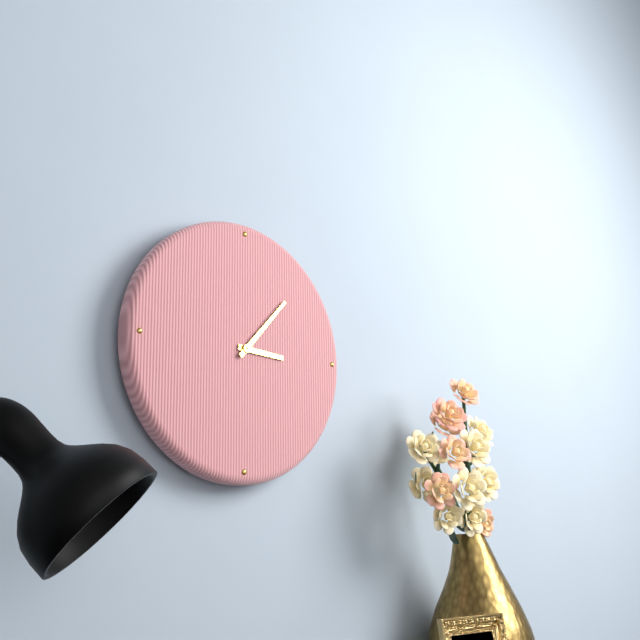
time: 3:07
